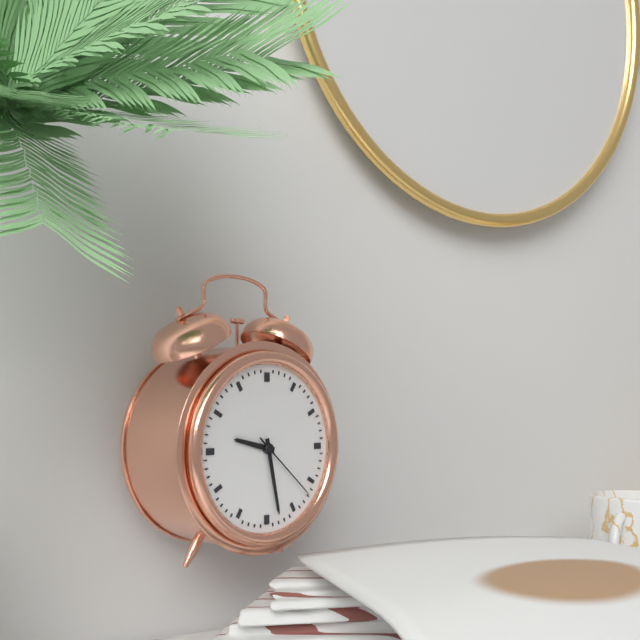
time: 9:28:22
